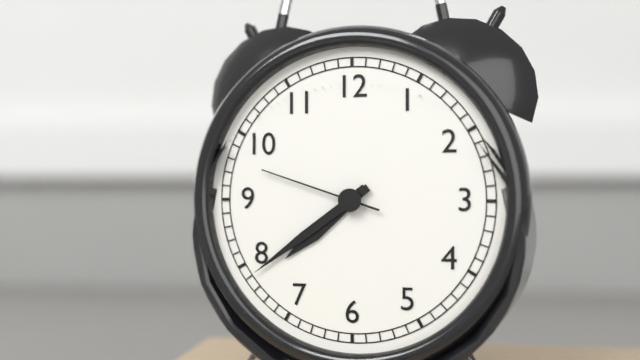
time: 7:39:48
